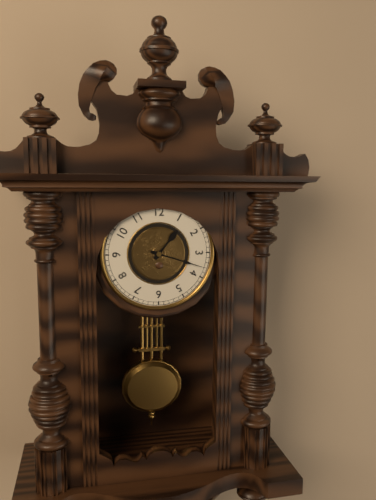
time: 1:18
